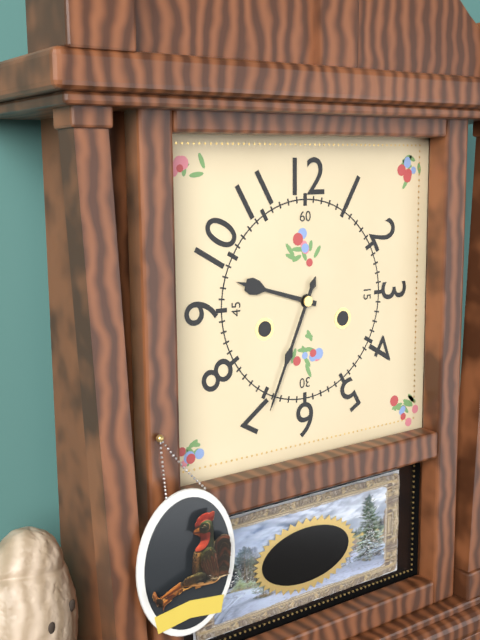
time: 9:34
